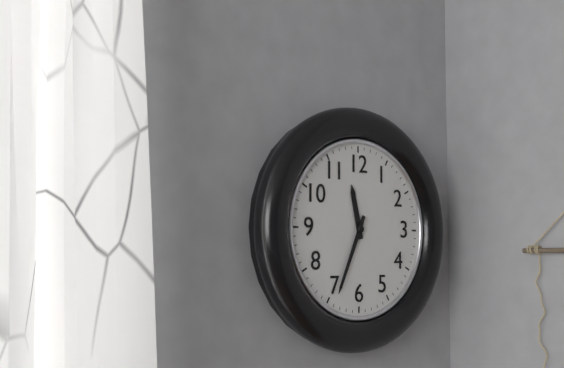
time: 11:34
